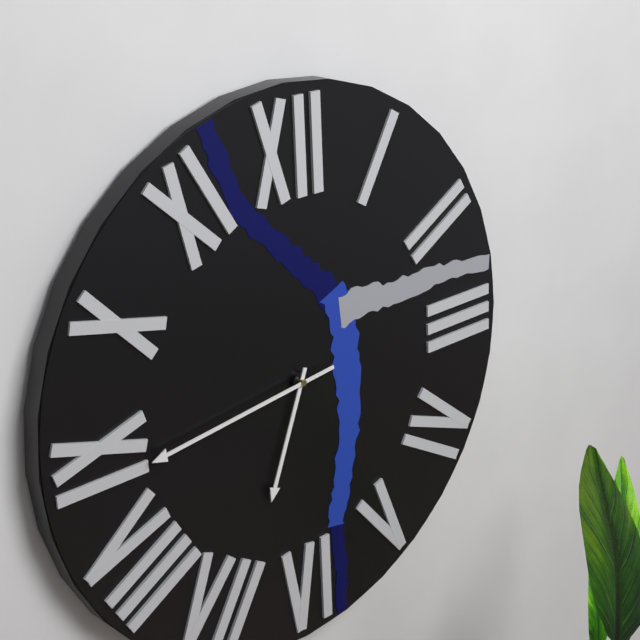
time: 6:44
